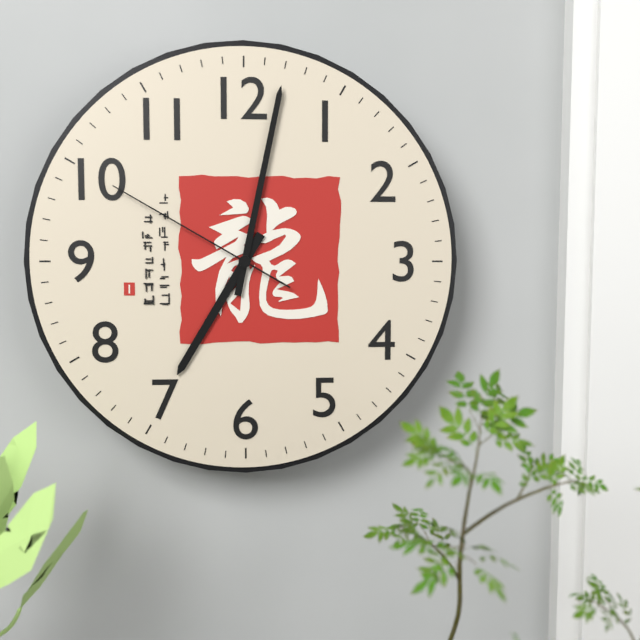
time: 7:02:50
